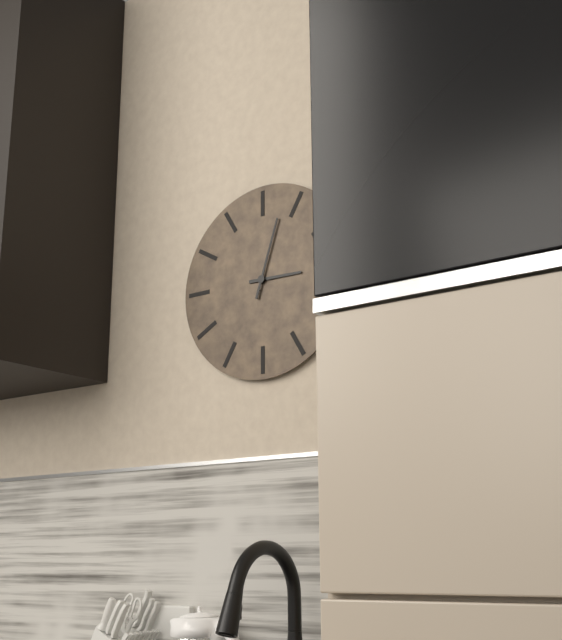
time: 3:03
